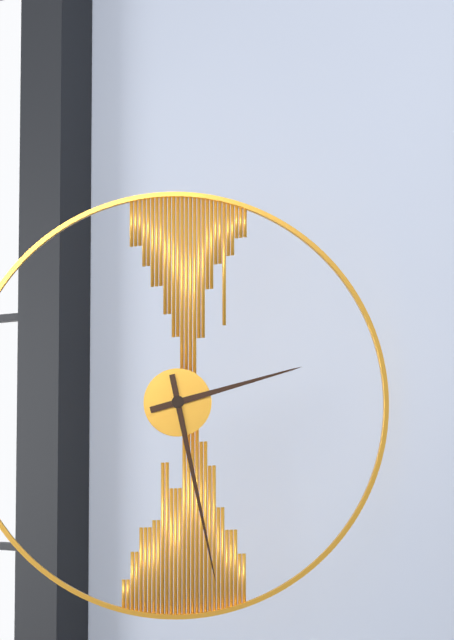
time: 2:28
